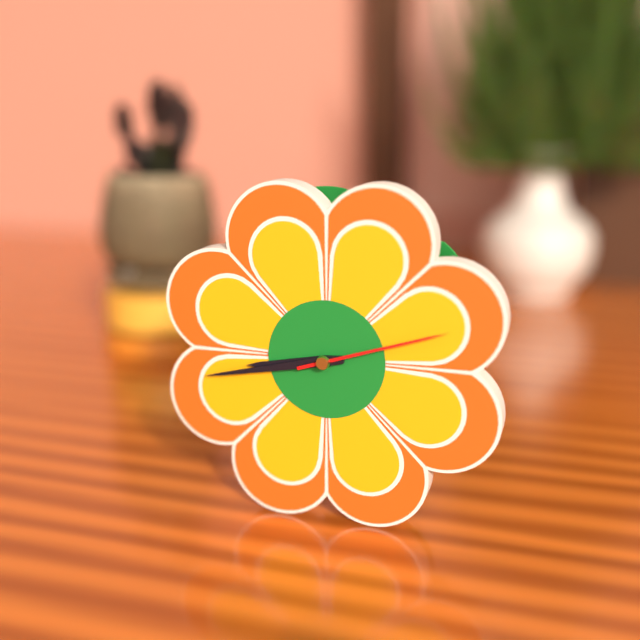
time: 8:43:12
